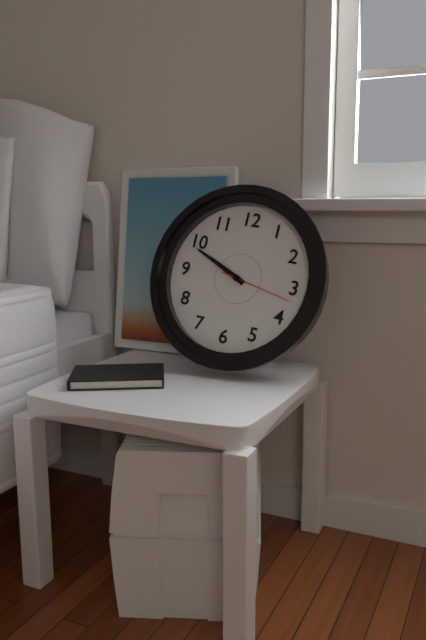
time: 9:49:17
